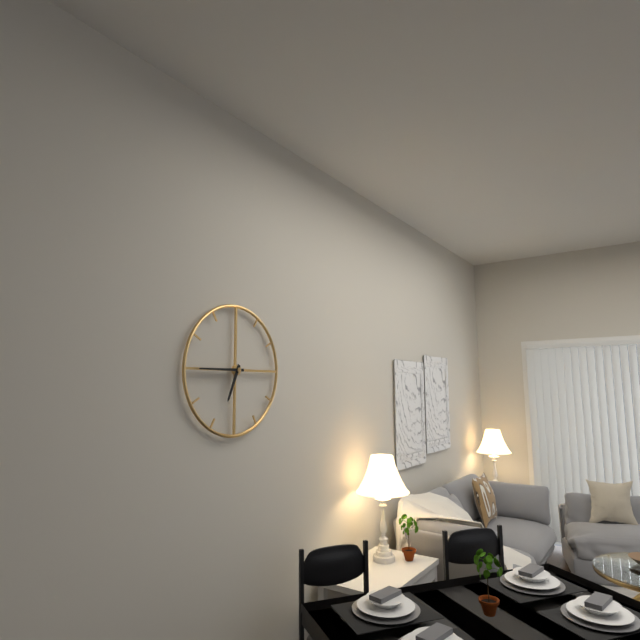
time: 6:45
